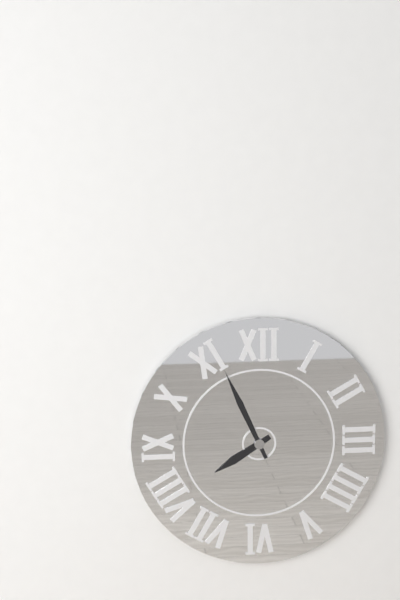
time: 7:56
